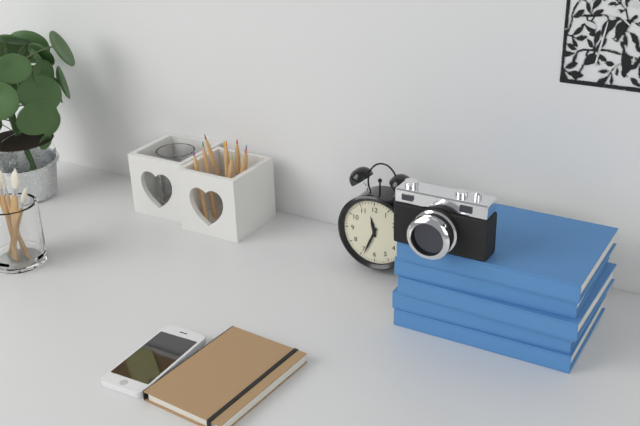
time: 11:34
